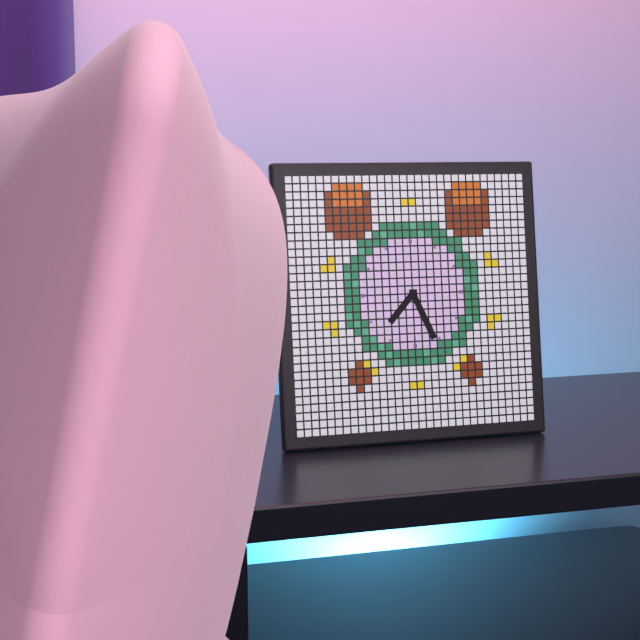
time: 7:26
